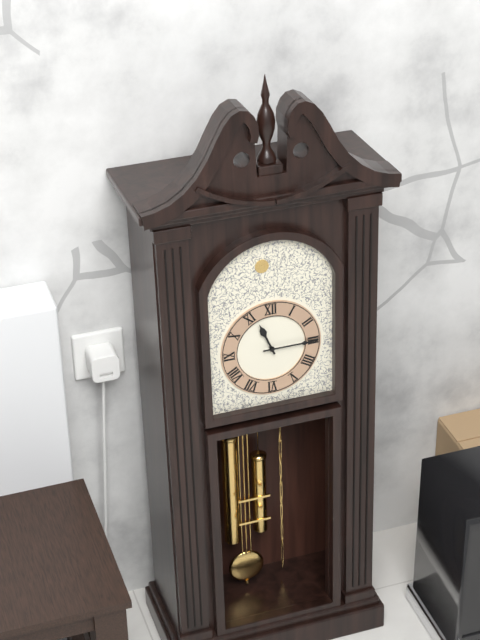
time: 11:15
